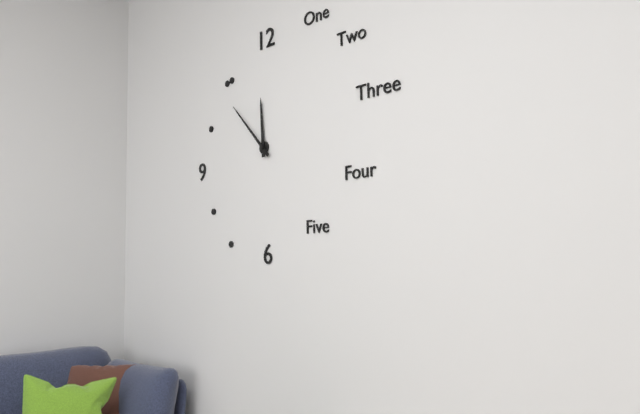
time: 11:53
